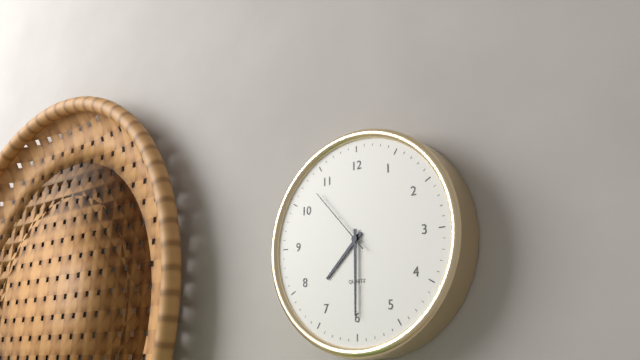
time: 7:30:53
